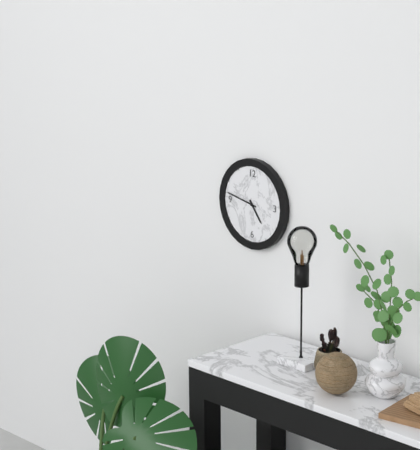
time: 4:47
